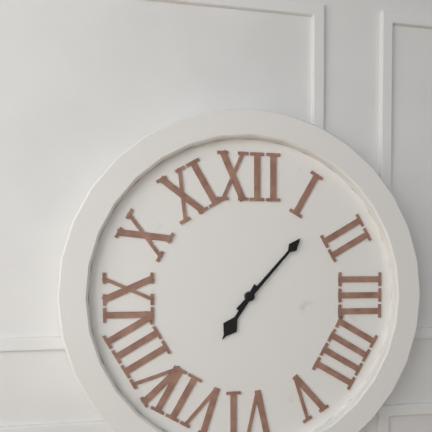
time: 7:07
